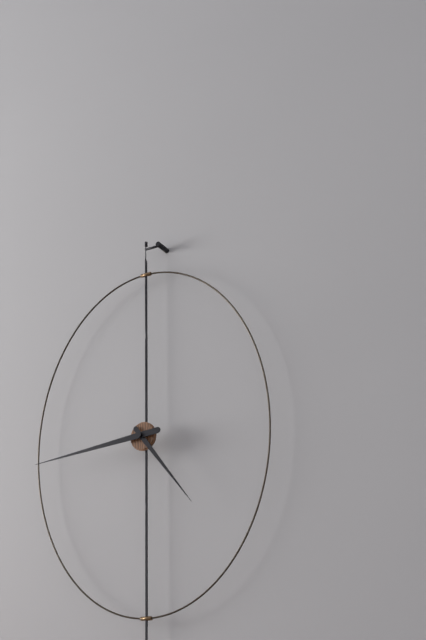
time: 4:44
